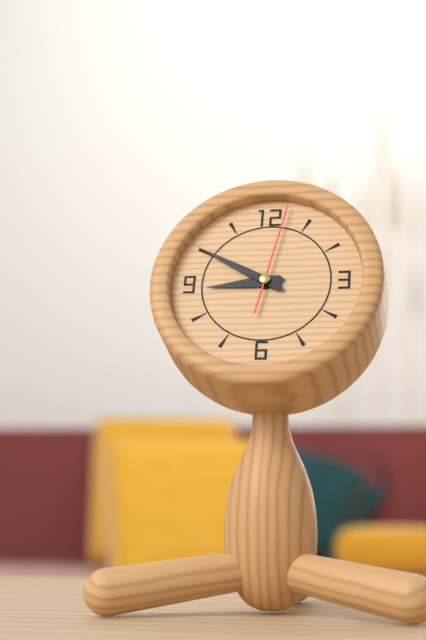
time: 8:50:02
